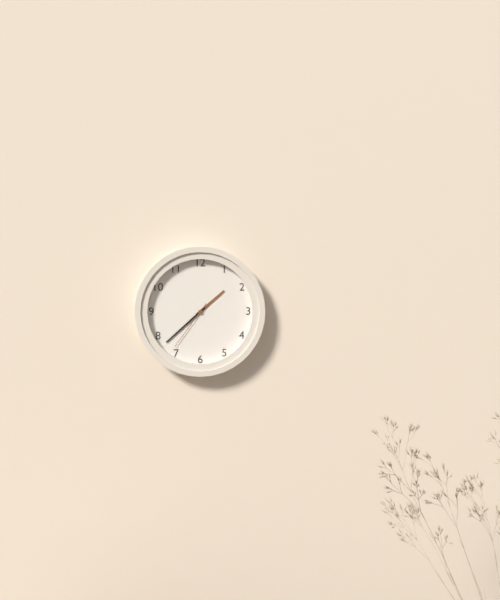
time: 1:38:36
